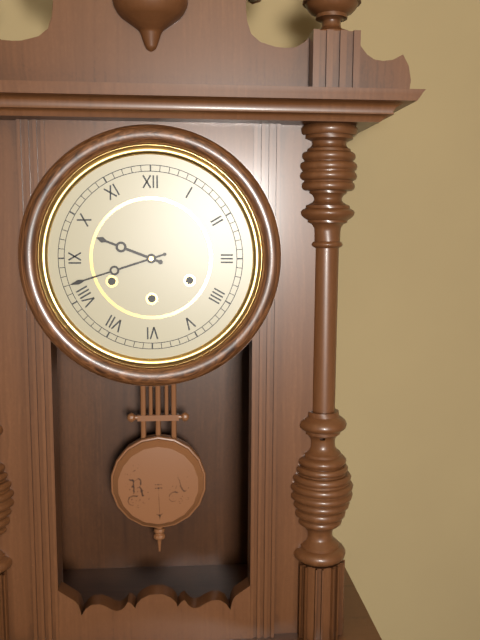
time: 9:42
